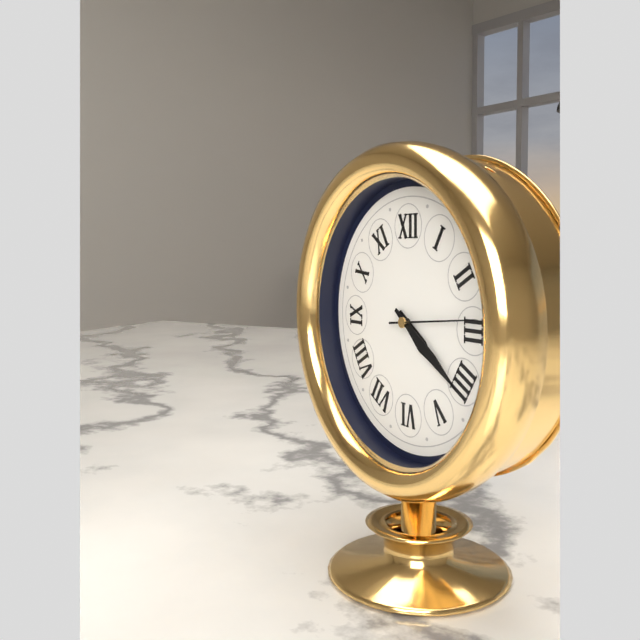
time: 4:21:14
